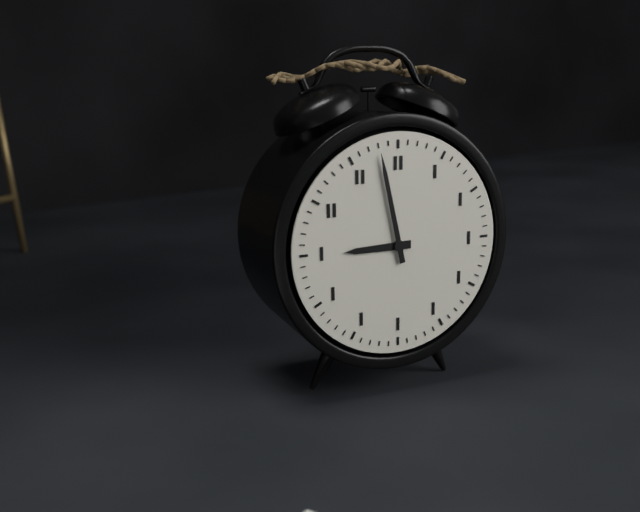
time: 8:58
